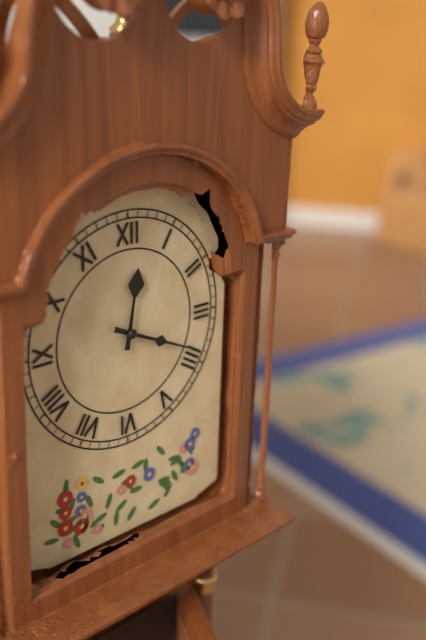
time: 12:19
